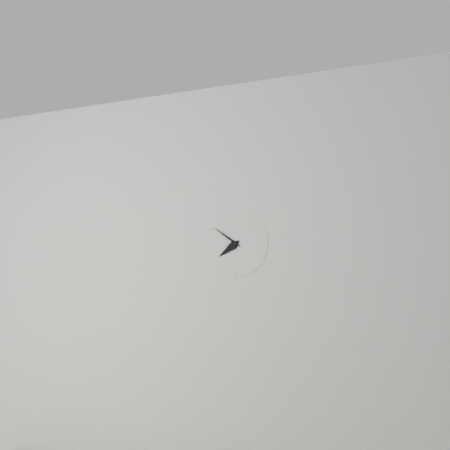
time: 7:51
